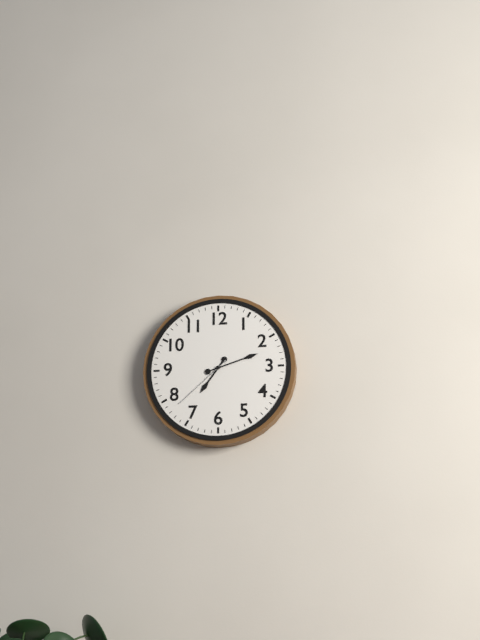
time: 7:12:38
